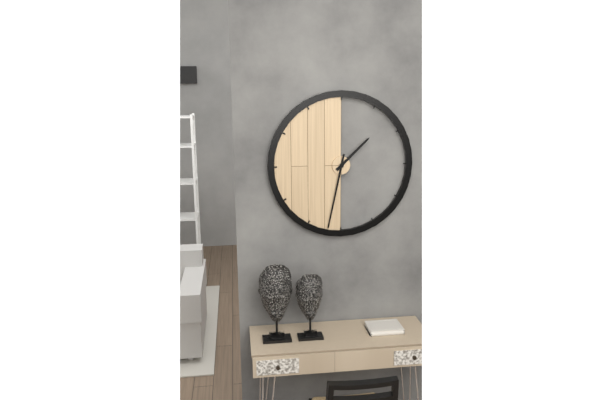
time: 1:32
